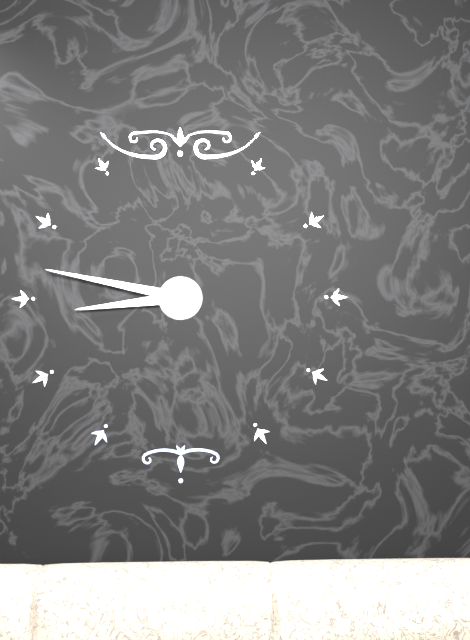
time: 8:47
